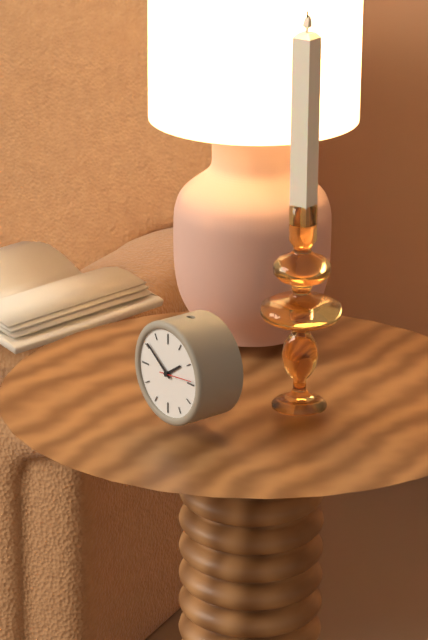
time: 1:51
